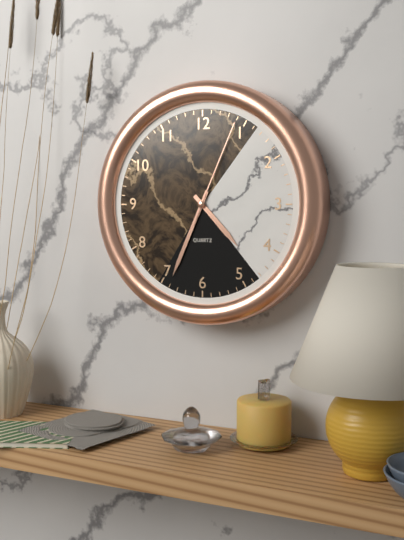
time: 4:34:04
